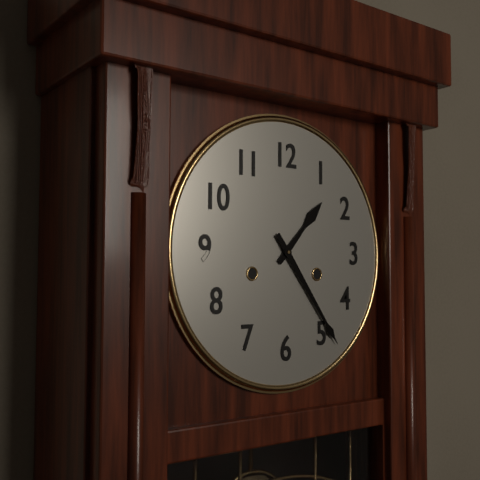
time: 1:24
